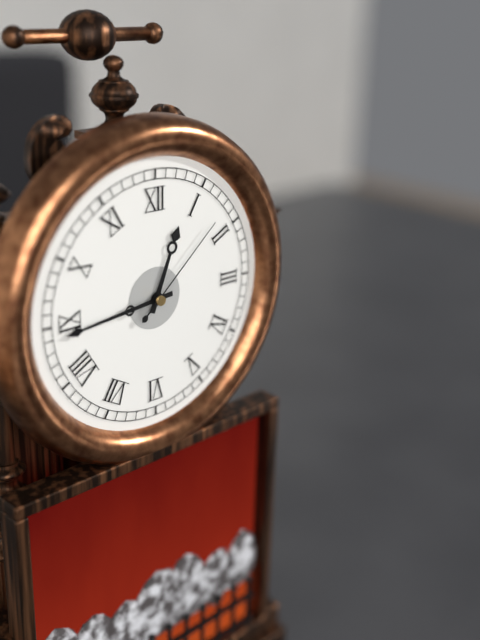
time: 12:44:08
